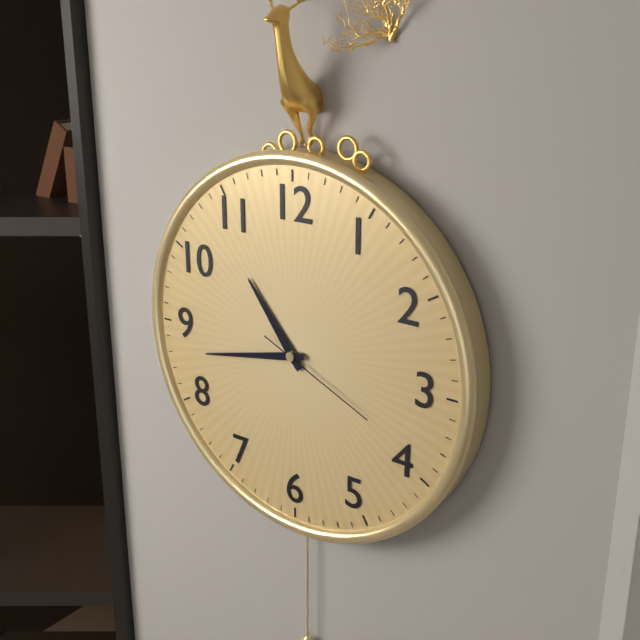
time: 10:43:19
